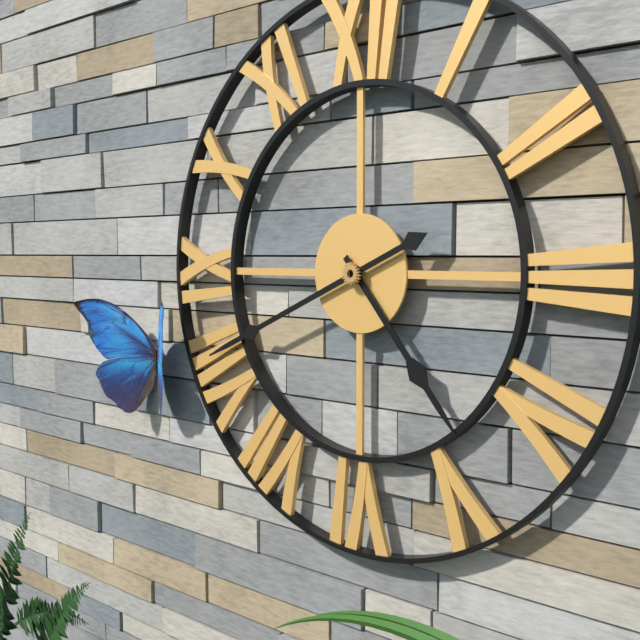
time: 4:41
